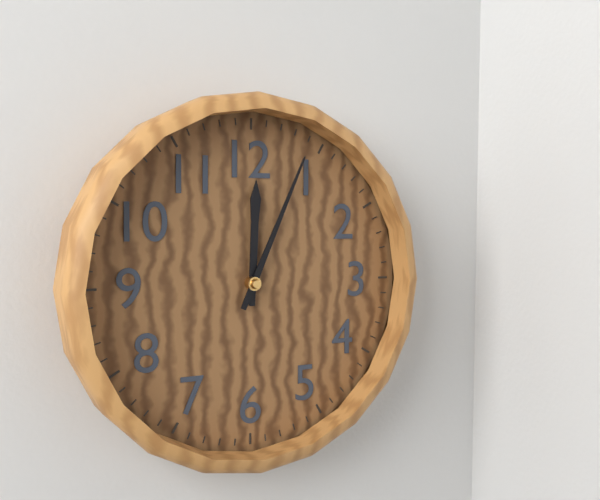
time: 12:04
